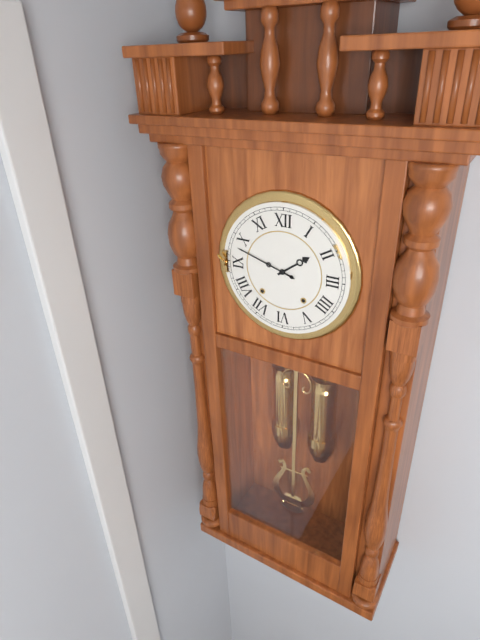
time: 1:48
